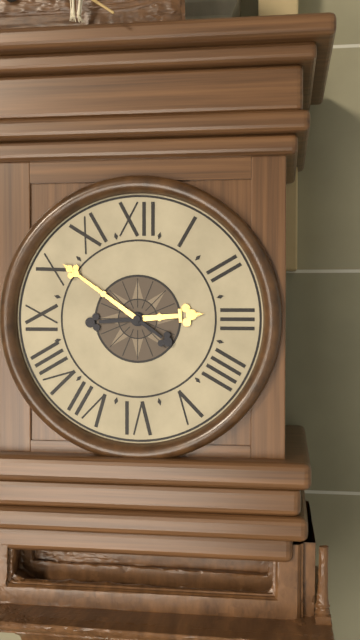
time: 2:51
